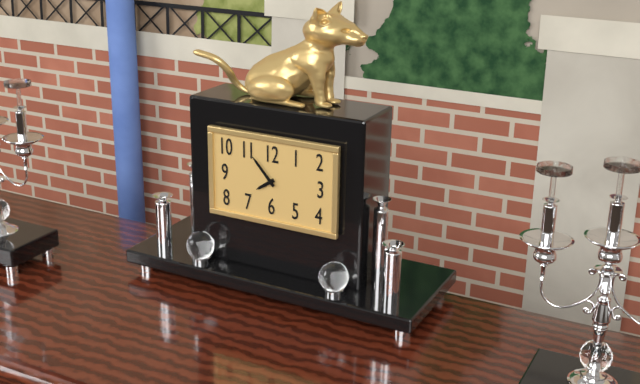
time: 7:53
